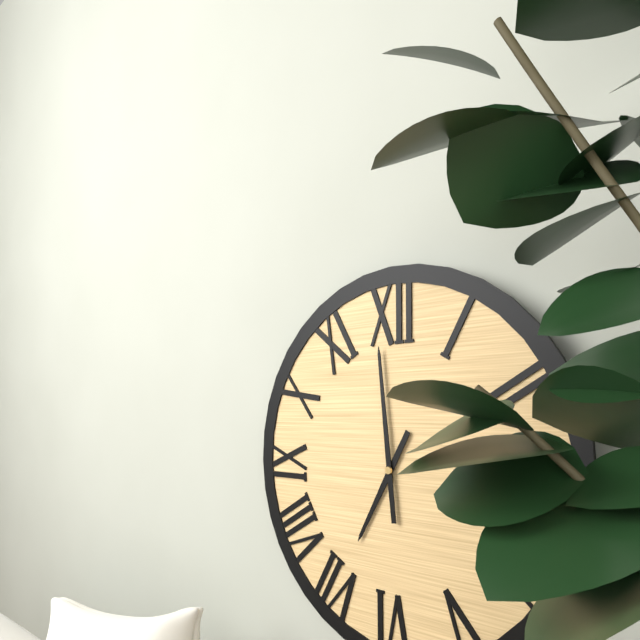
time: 6:59
